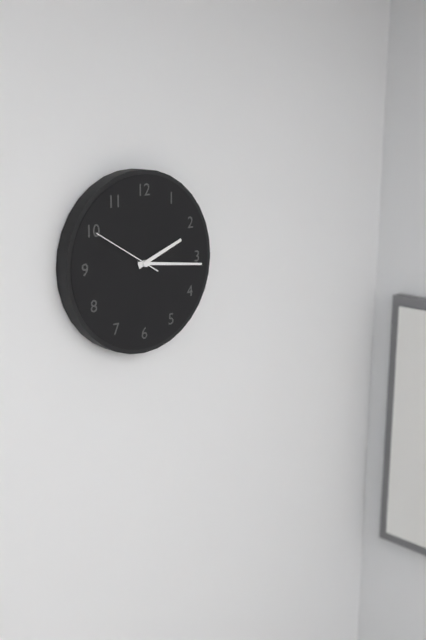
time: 2:16:50
